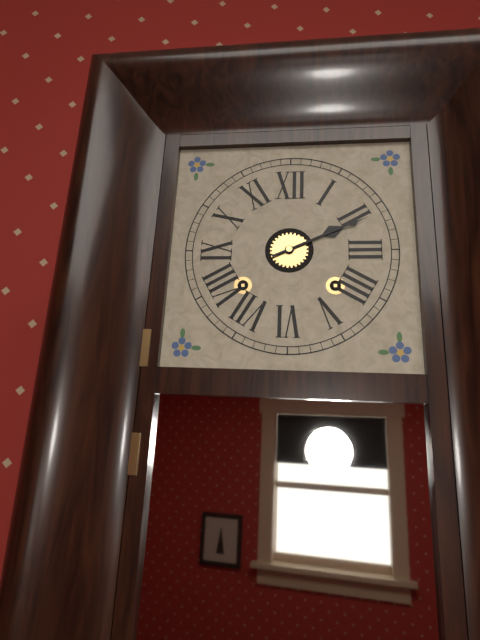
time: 2:11
